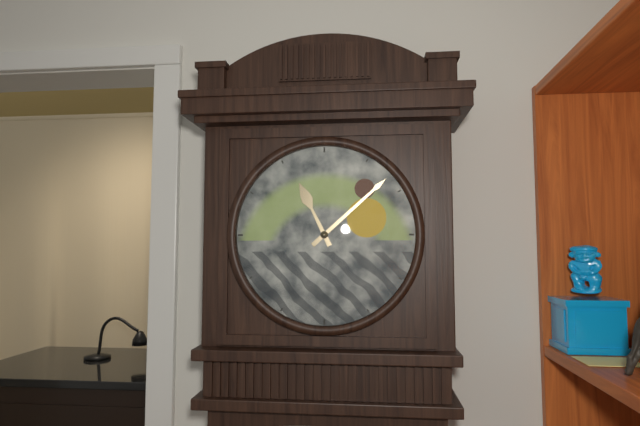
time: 11:08
